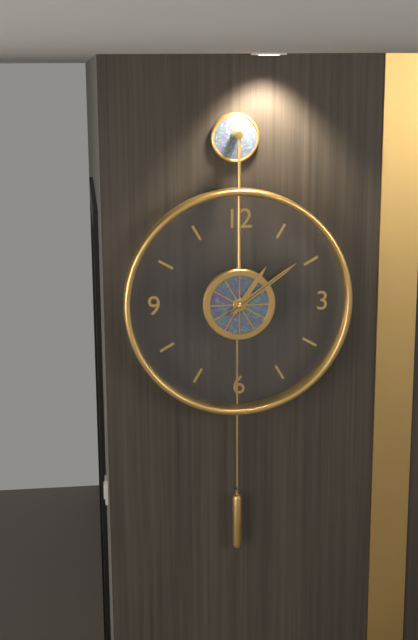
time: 1:09:09
